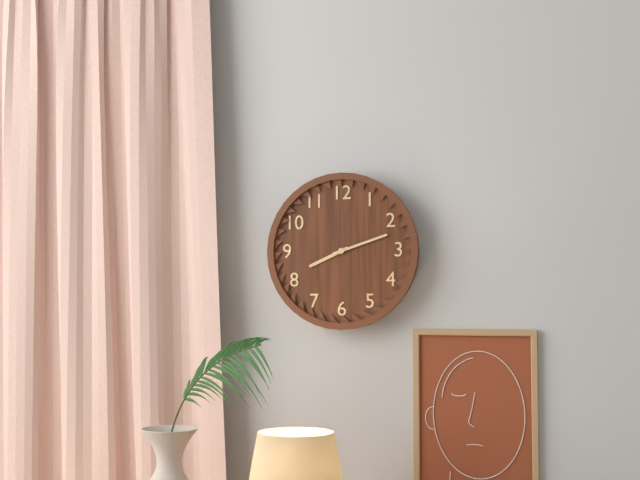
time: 8:12
